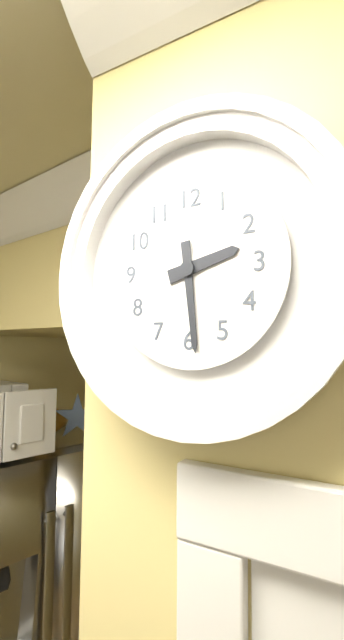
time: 2:29
